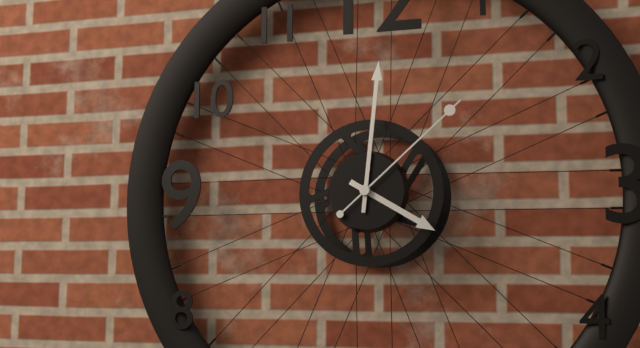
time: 4:01:08
